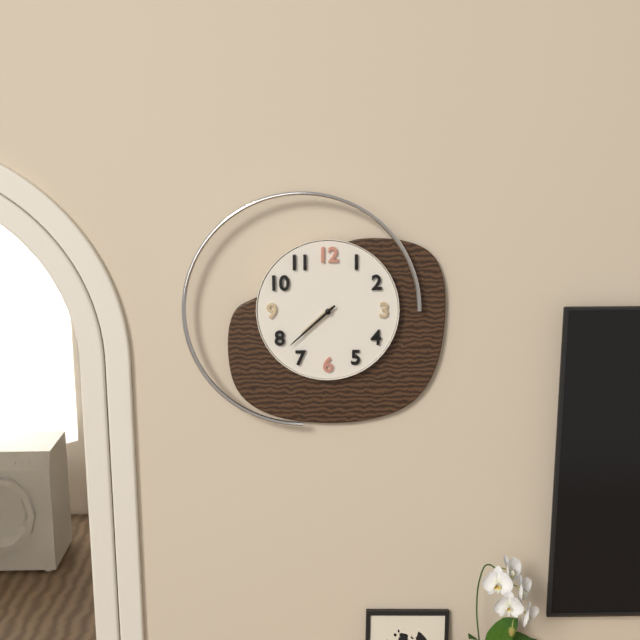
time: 7:38
